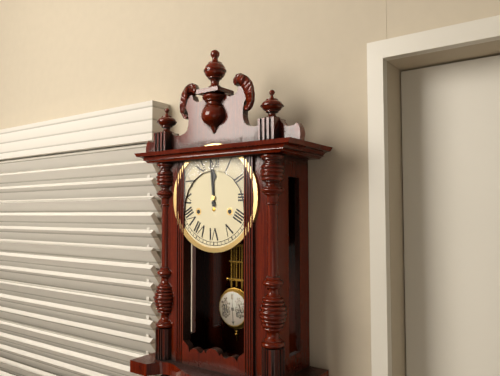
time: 11:59
